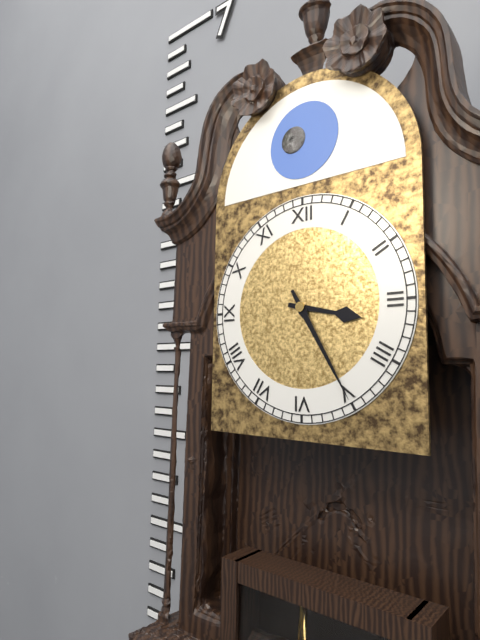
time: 3:25
